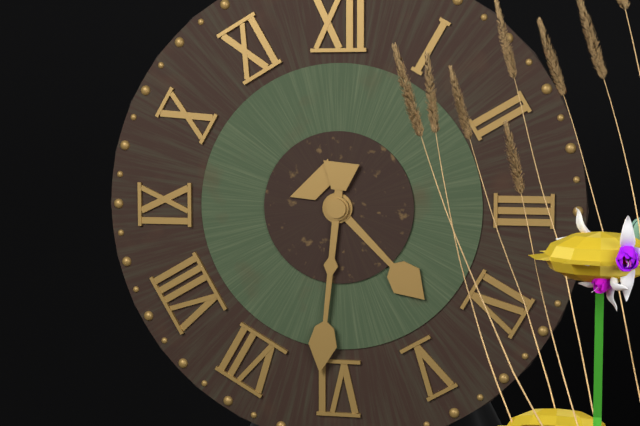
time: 4:31
